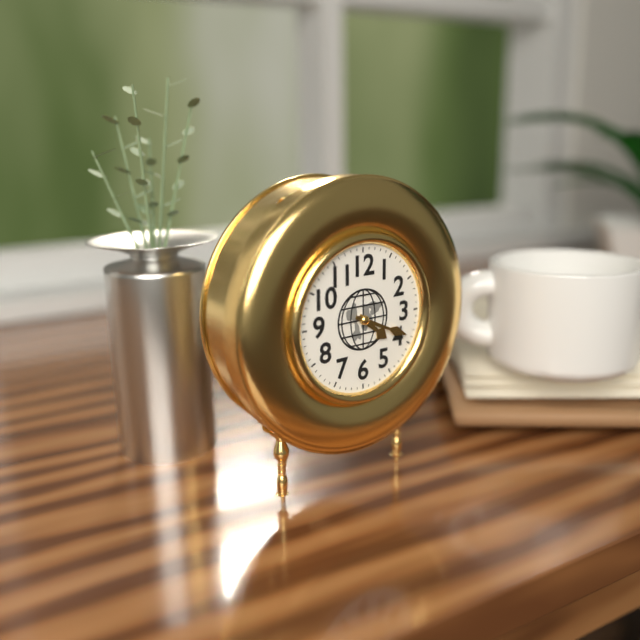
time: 4:19
